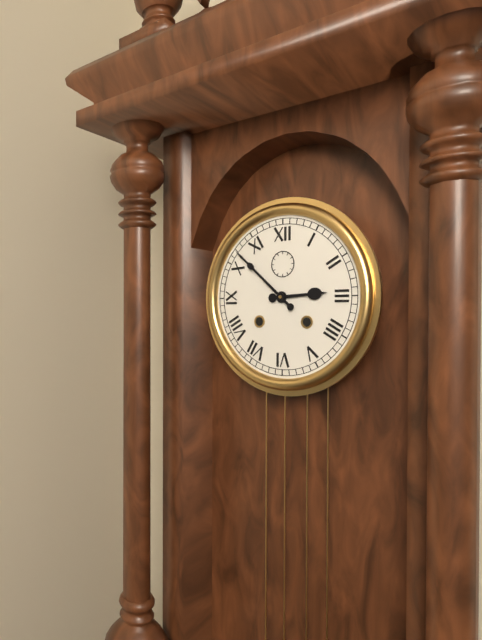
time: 2:52
